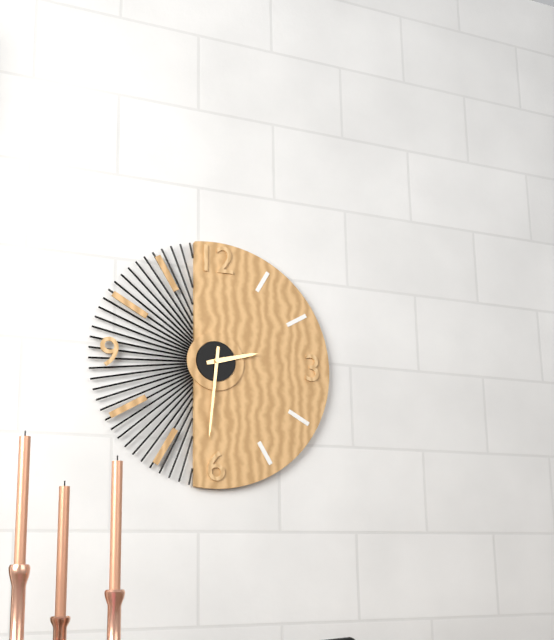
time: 2:31
